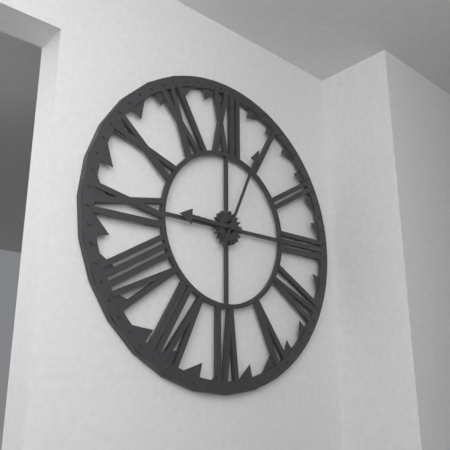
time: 9:04
